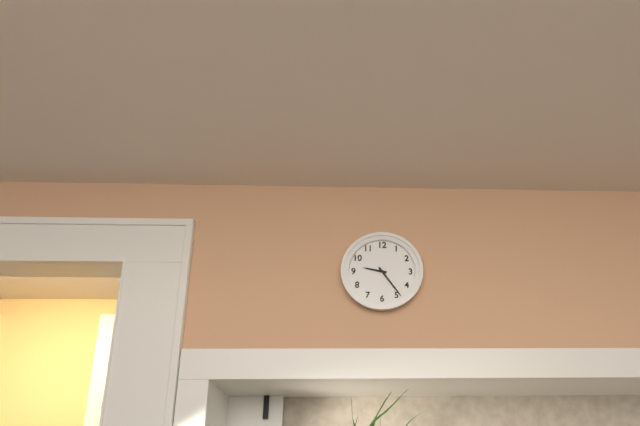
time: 9:24
